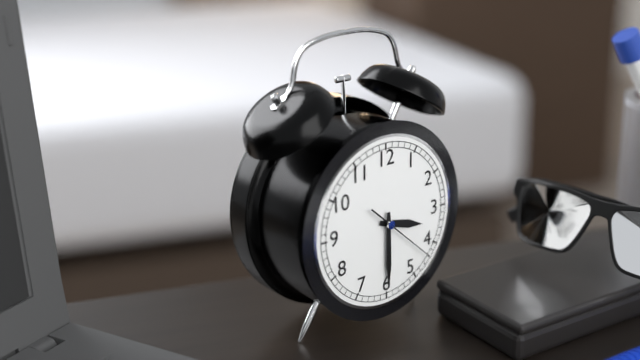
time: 3:30:22
